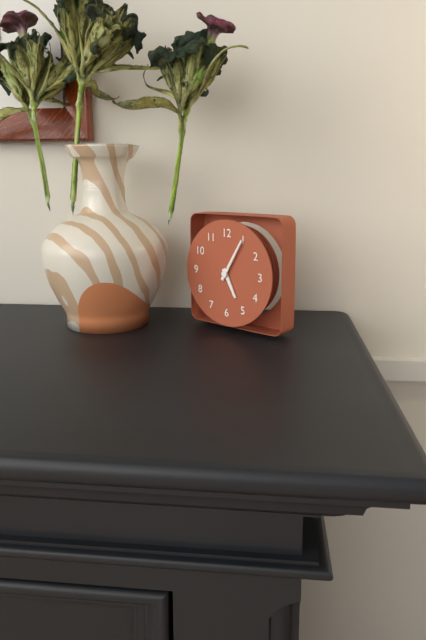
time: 5:05
